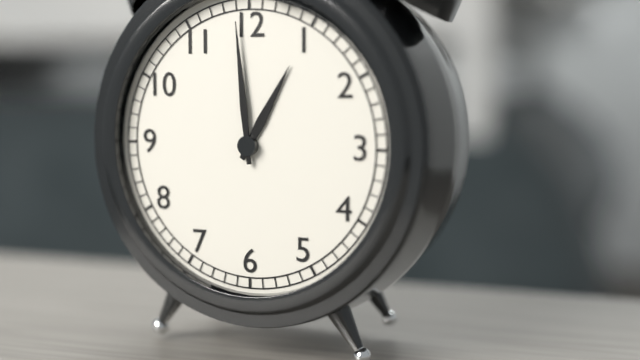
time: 12:59
